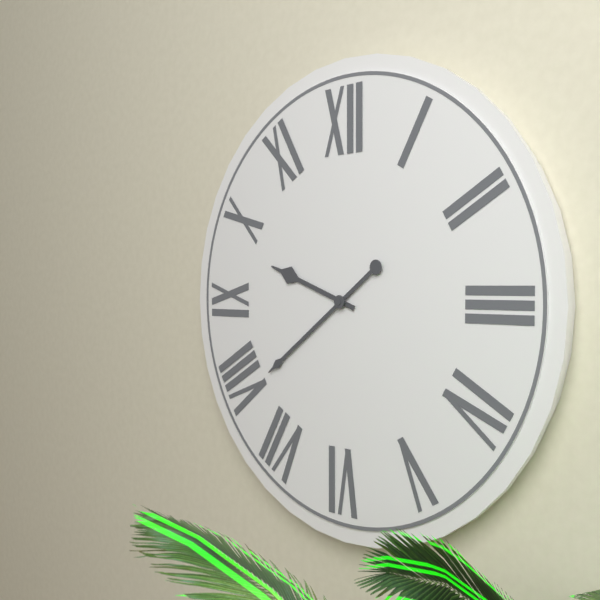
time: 9:39
